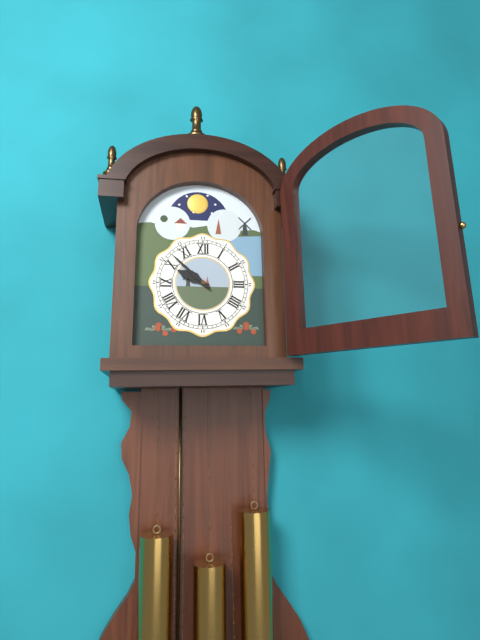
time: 9:52
